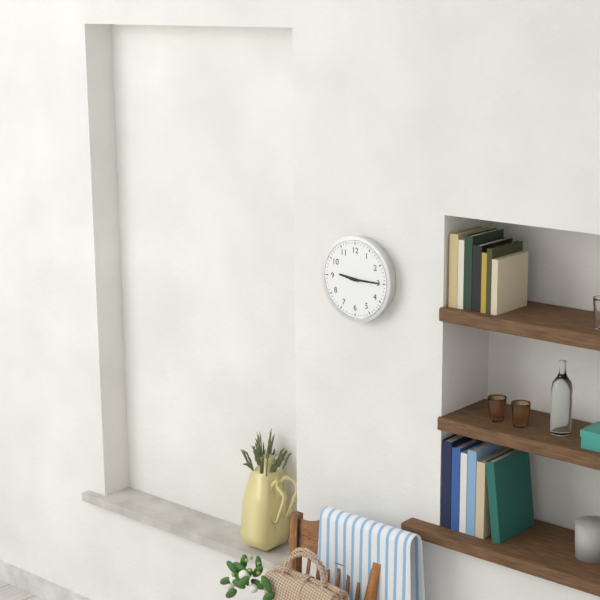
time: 9:15
